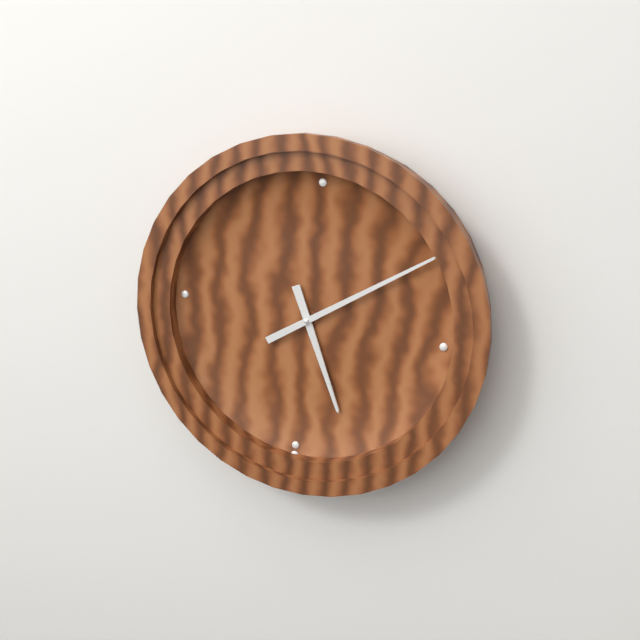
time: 5:09
